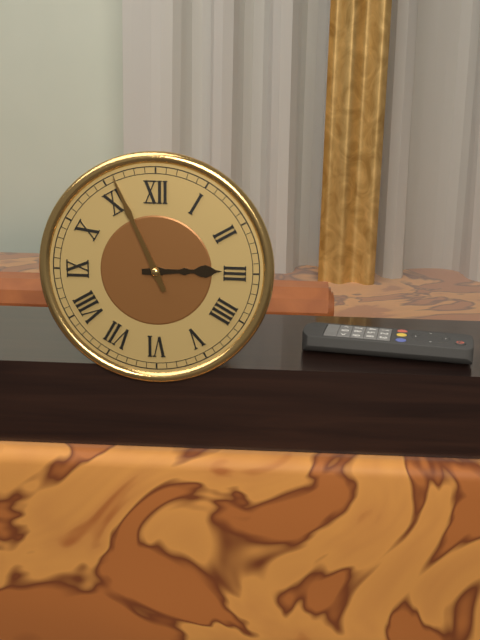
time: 2:56
